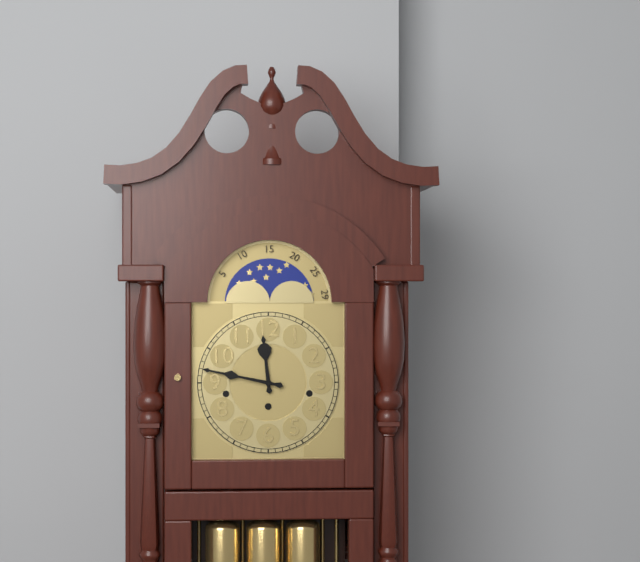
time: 11:47
